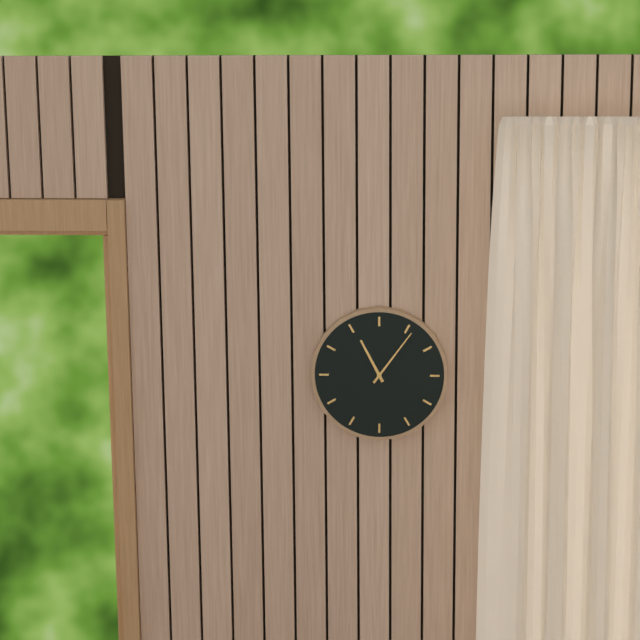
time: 11:06
